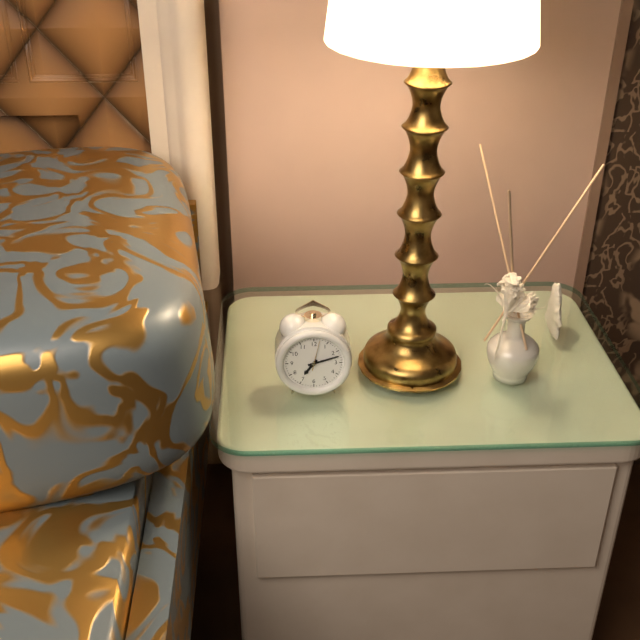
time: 7:12
